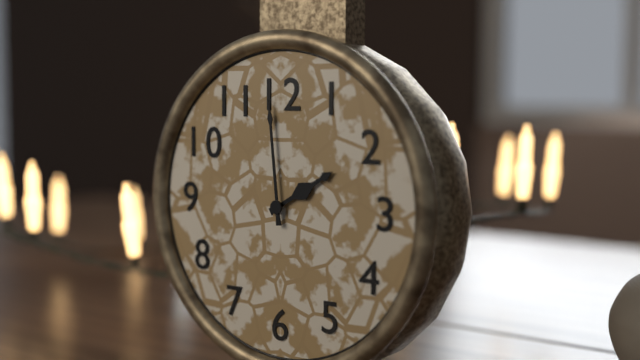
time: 1:59
